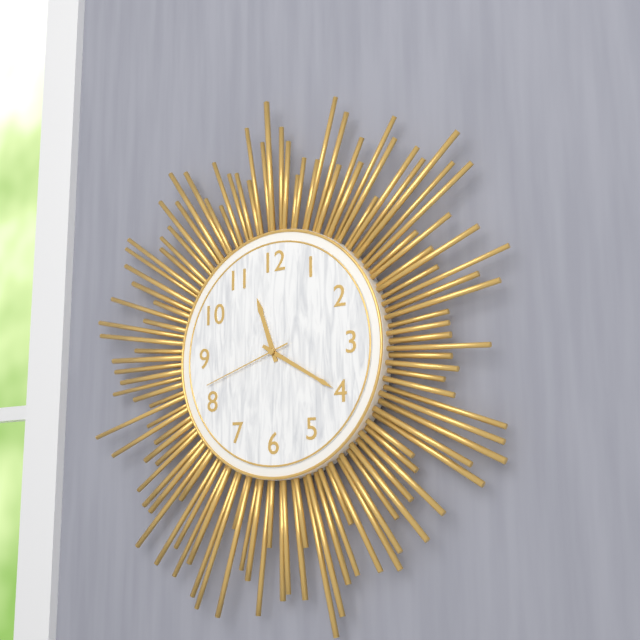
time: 11:20:42
